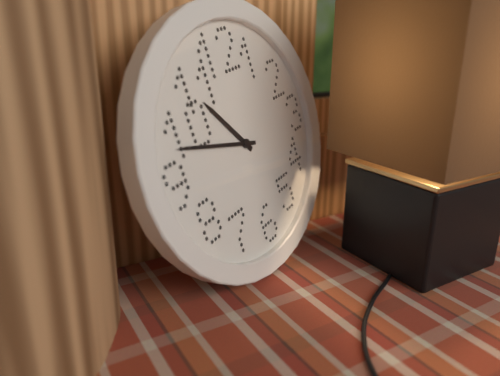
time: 10:48
